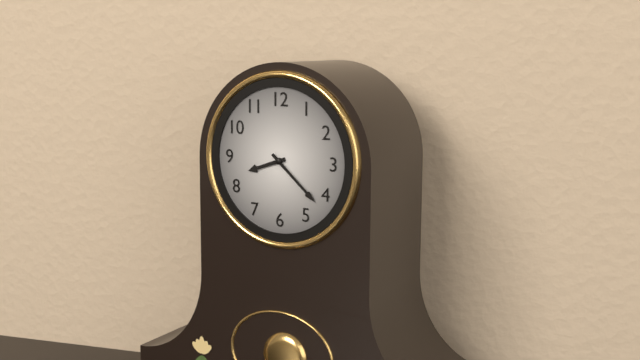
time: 8:22
